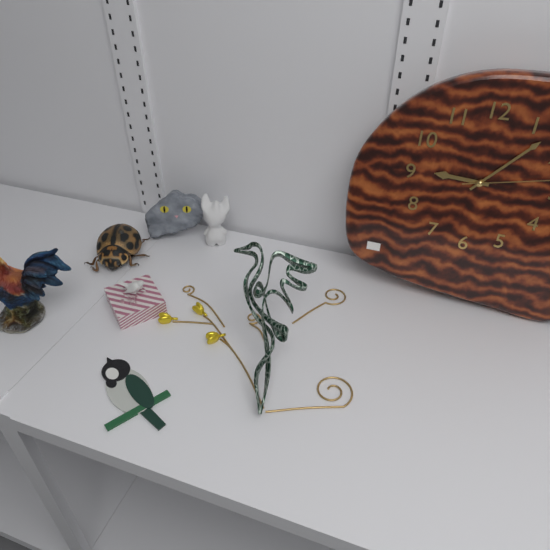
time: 9:07
